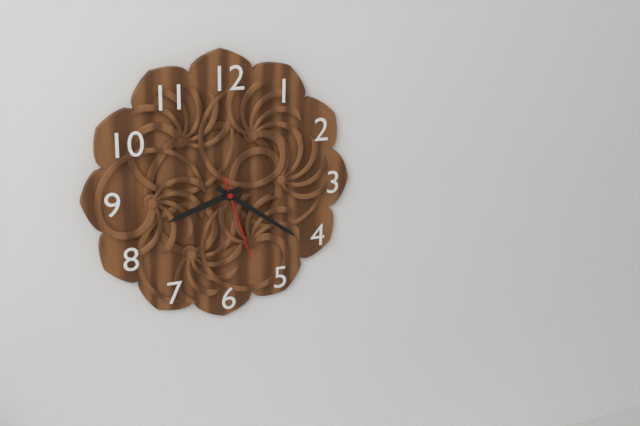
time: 8:21:27
